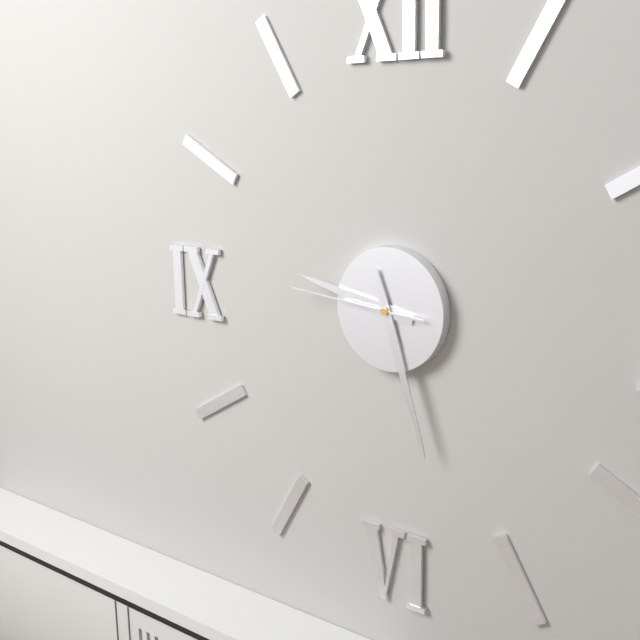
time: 9:27:46
